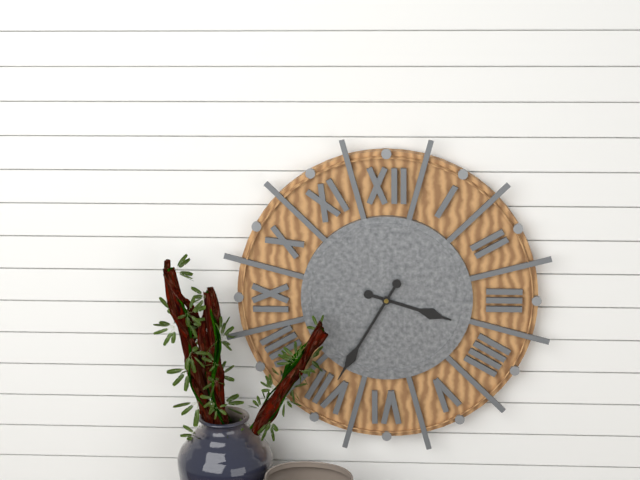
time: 3:35
